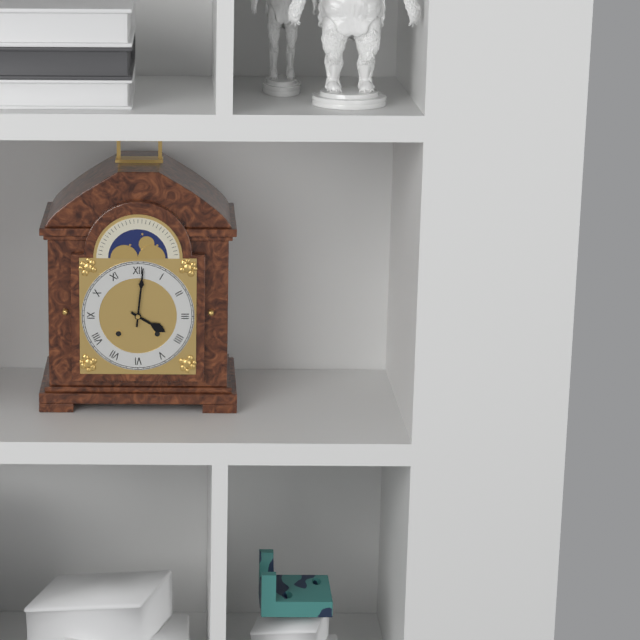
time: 4:01
